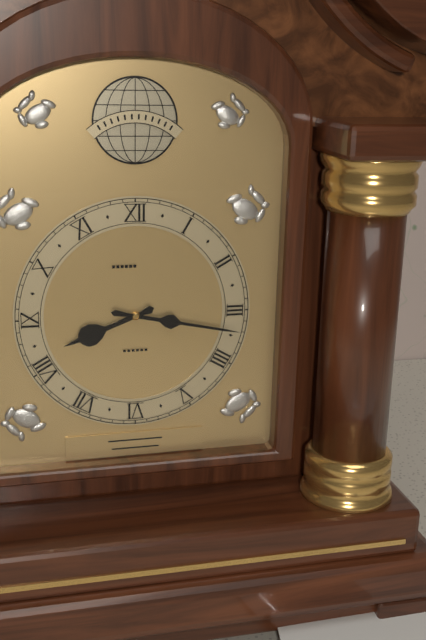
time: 8:17
